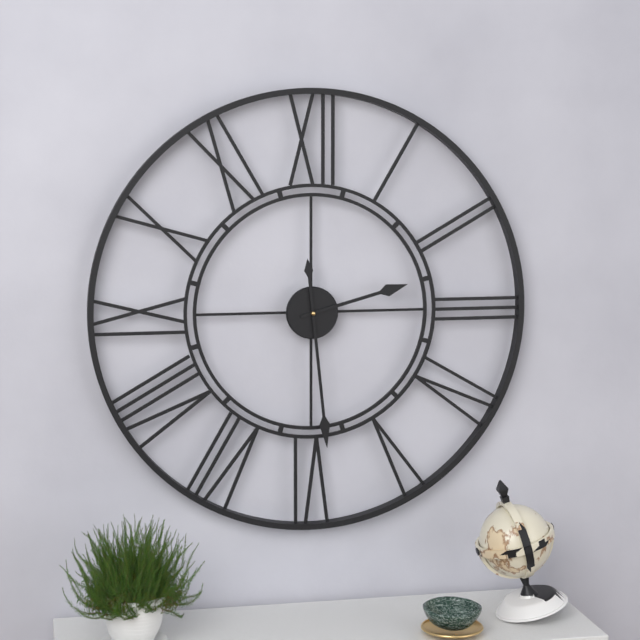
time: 2:29
